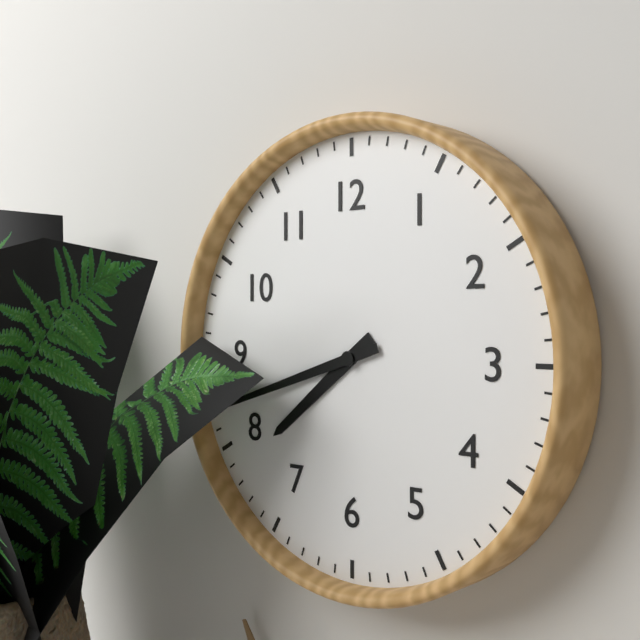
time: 7:42
